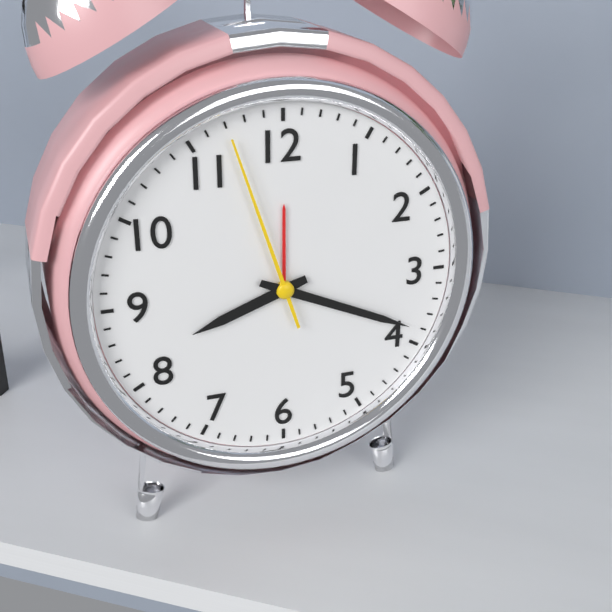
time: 8:19:57
